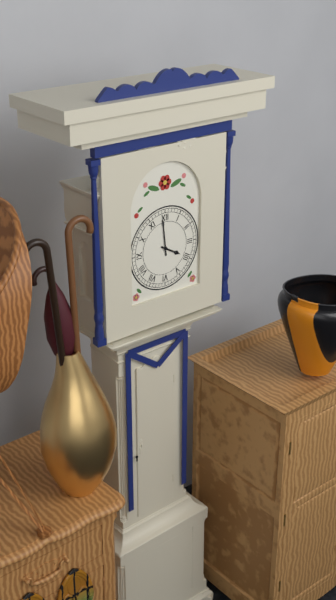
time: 3:59
